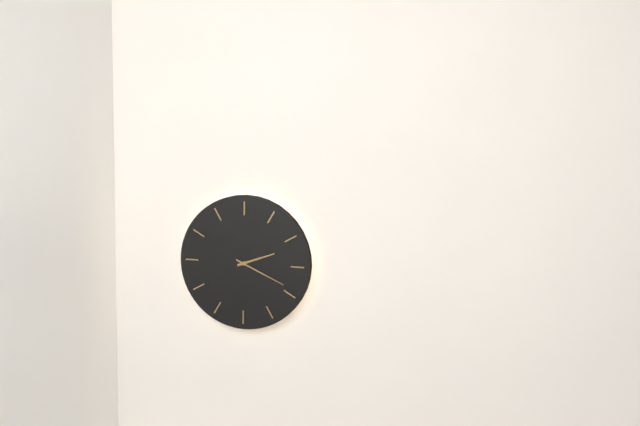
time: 2:19
